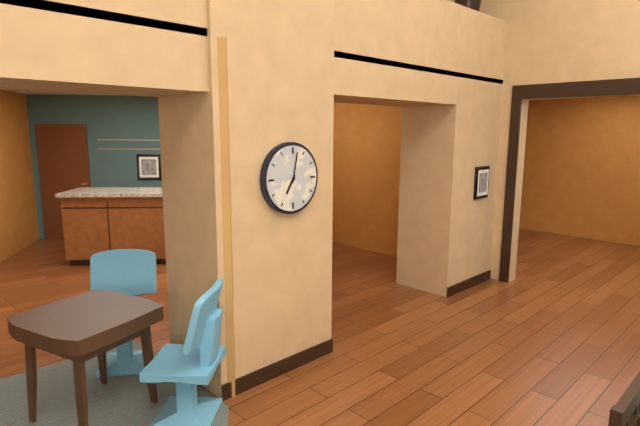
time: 7:02
